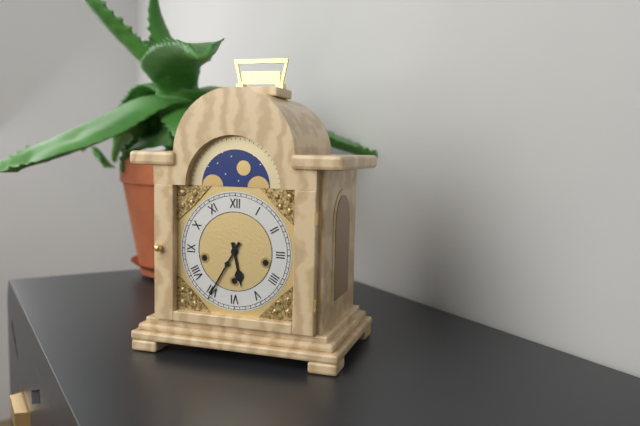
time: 5:35
